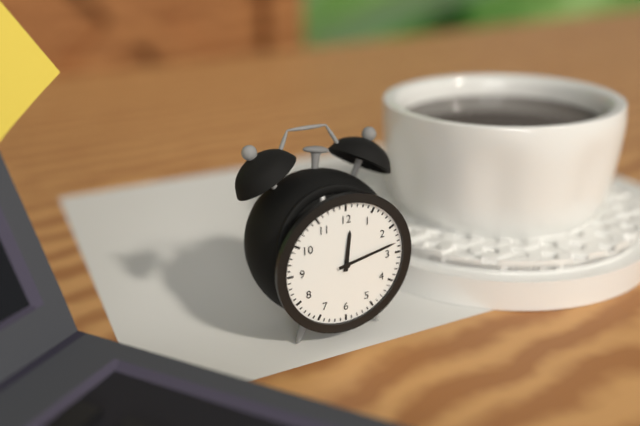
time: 12:13
